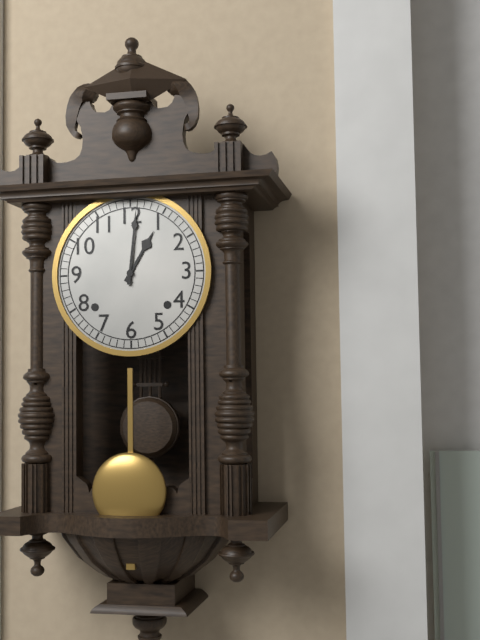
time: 1:01
